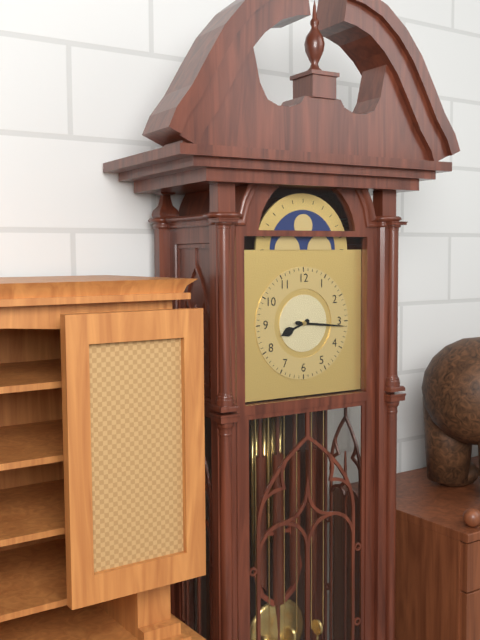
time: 8:16
